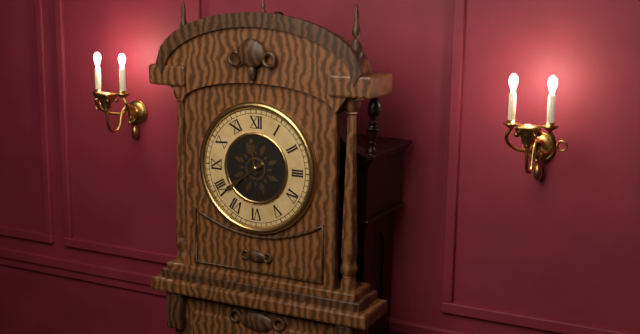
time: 11:39
